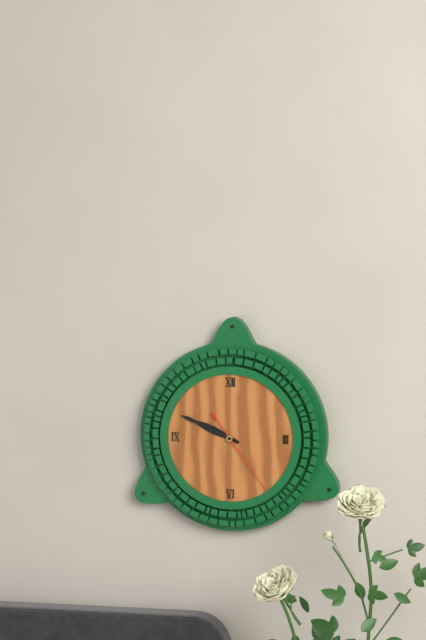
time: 9:49:24
